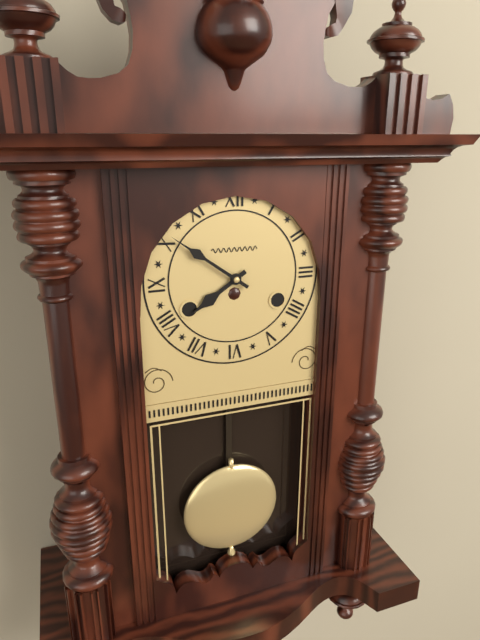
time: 7:51
